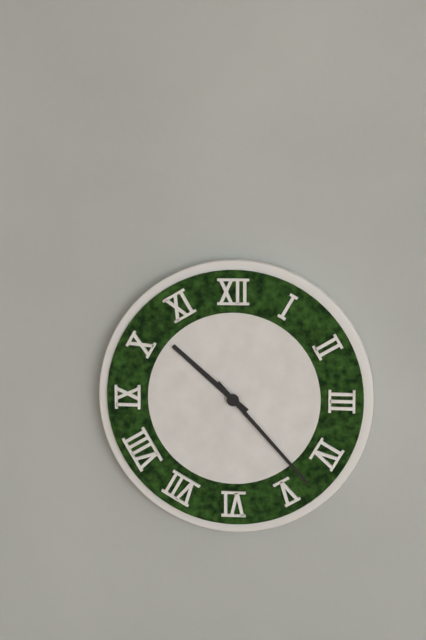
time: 10:23
